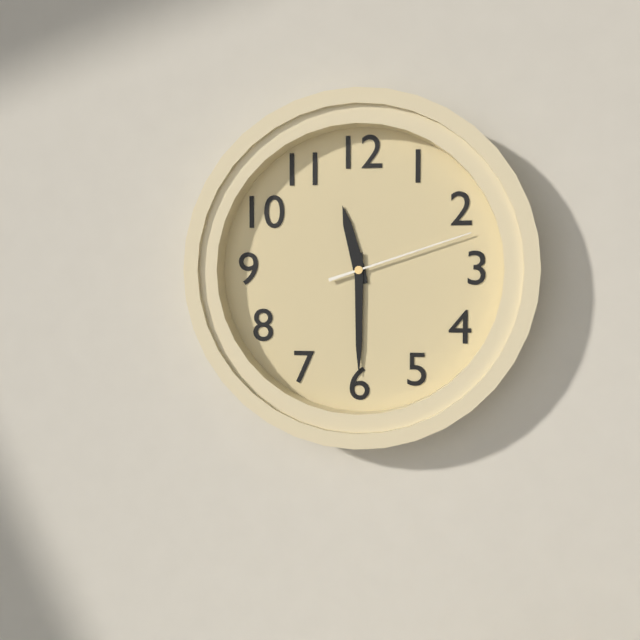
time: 11:30:12
